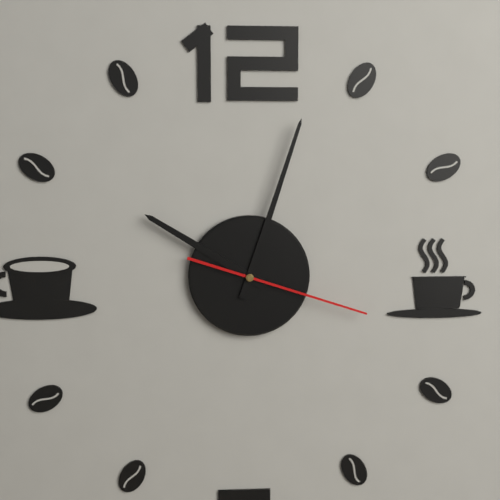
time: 10:03:18
